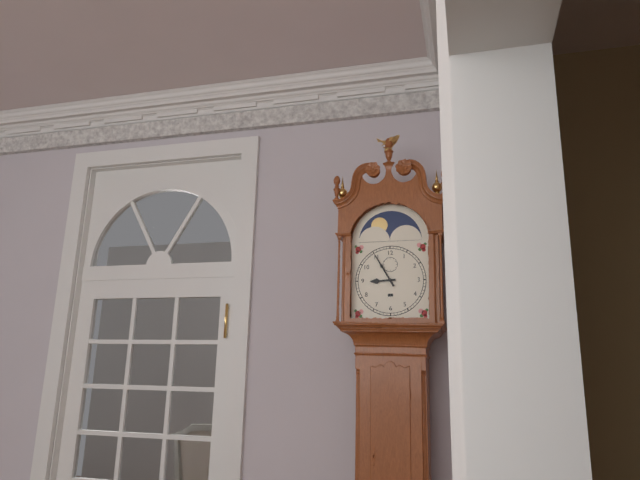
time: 8:55
